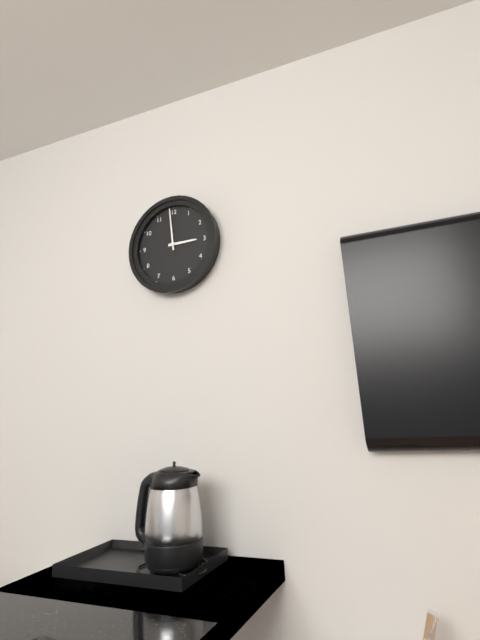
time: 2:59
